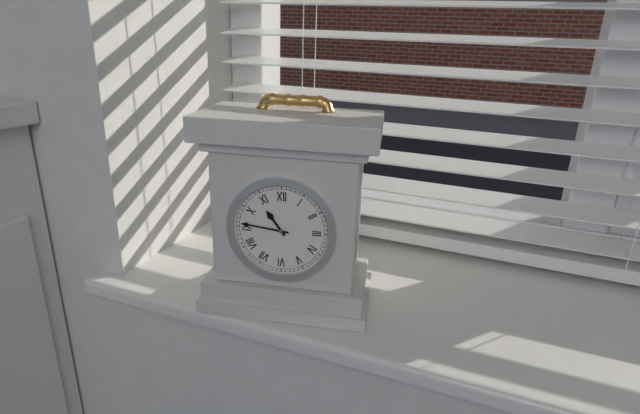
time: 10:46
